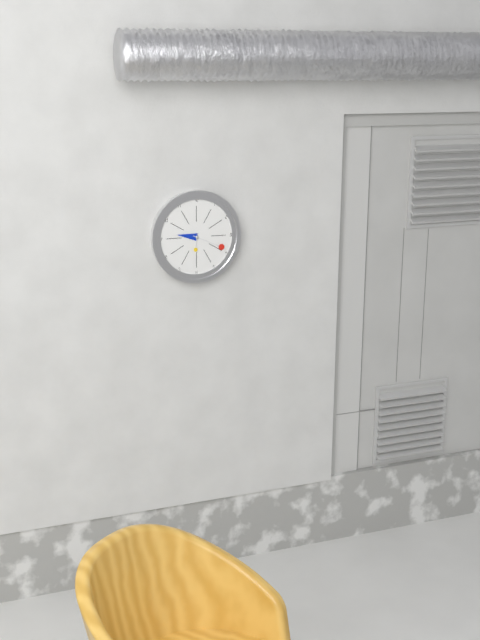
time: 9:19
